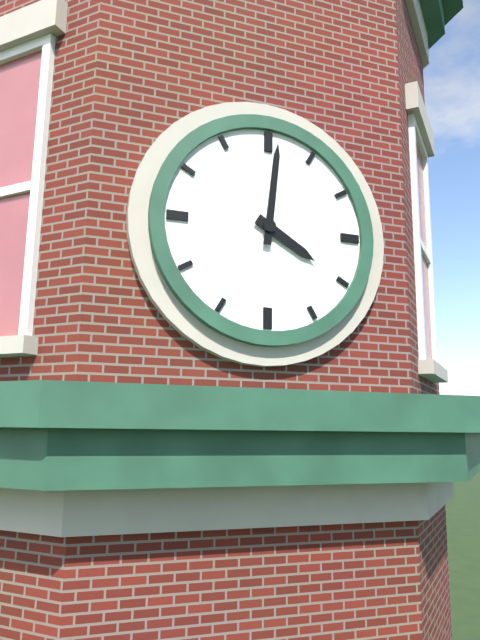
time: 4:01
